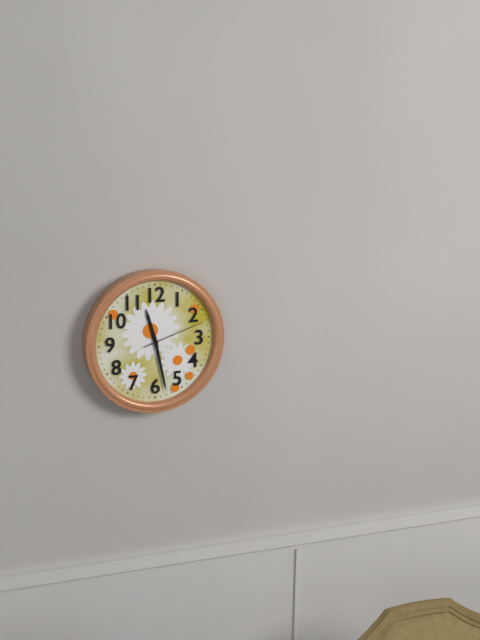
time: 11:28:12
